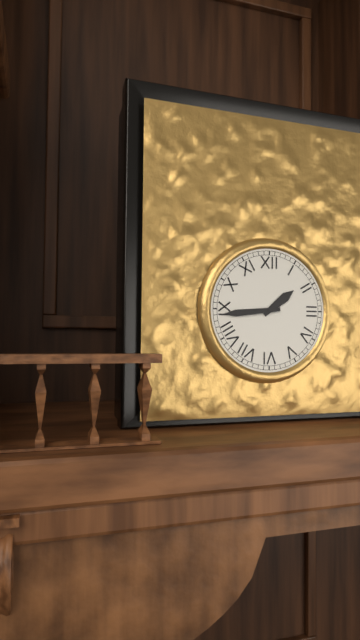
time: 1:44
